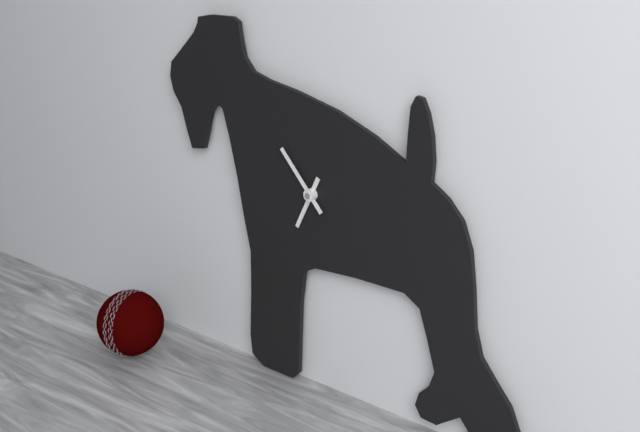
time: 6:53
